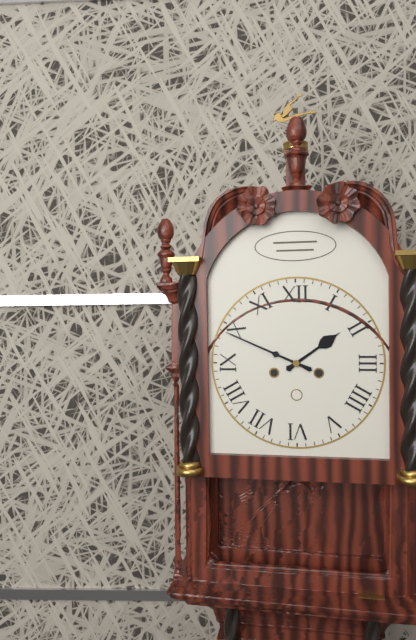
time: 1:49
